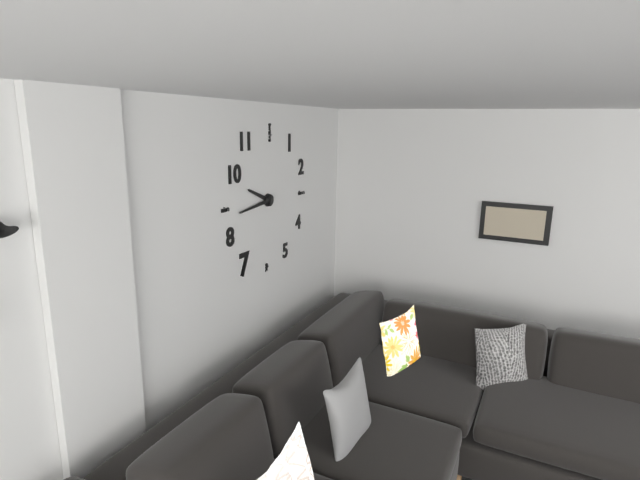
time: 9:44
